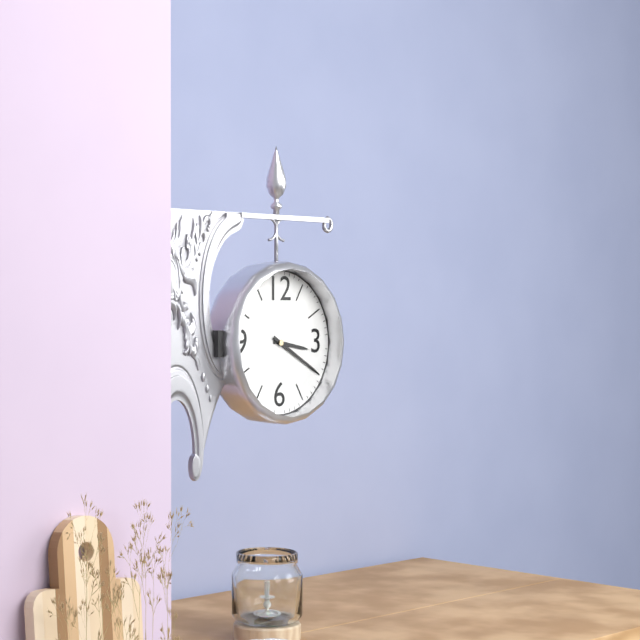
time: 3:20
